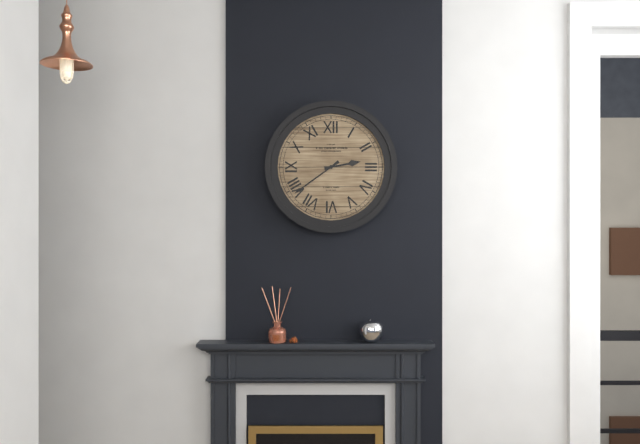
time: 2:39
